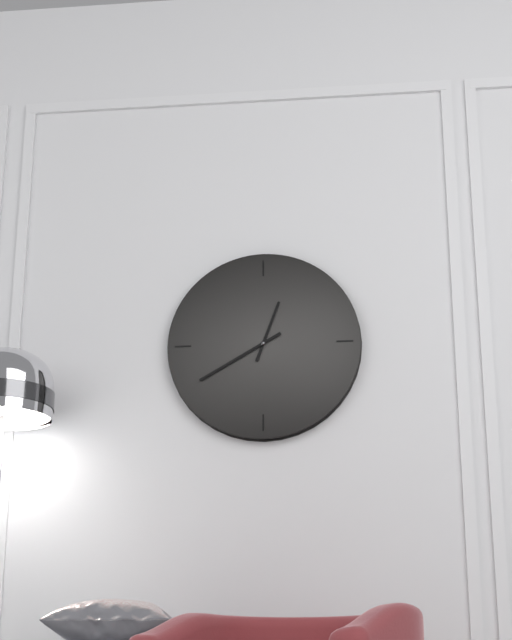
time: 12:40
